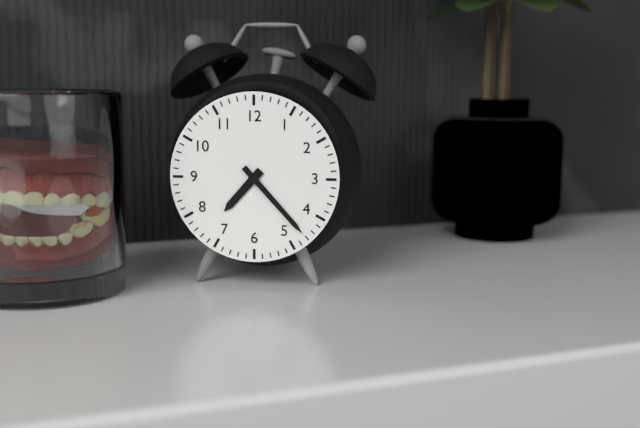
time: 7:23
